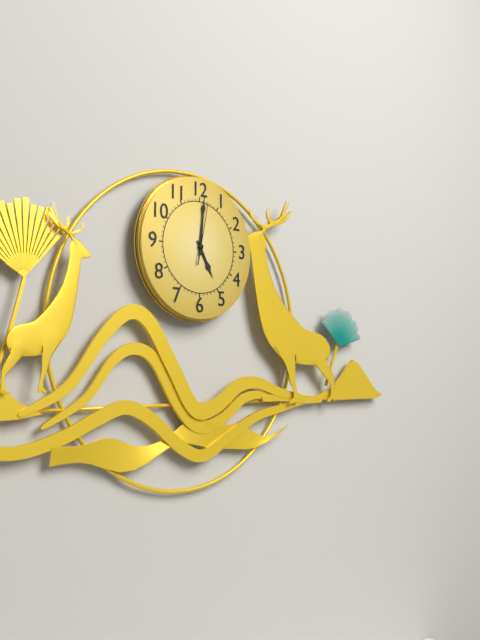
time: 5:01:02
